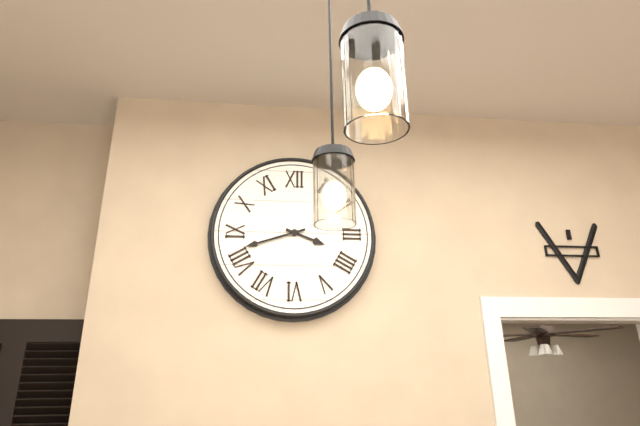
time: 3:42
